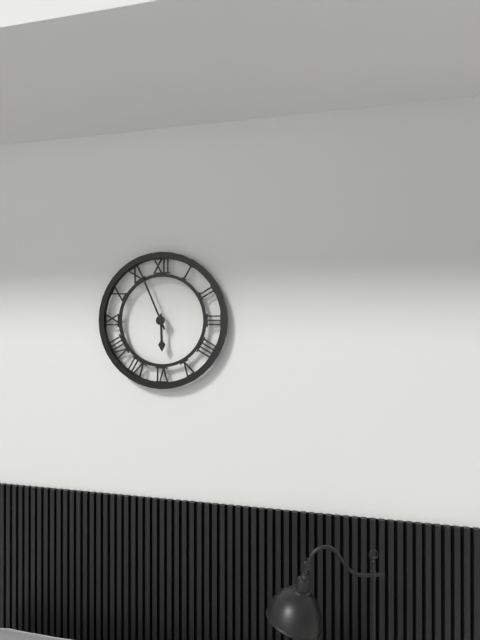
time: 5:56
